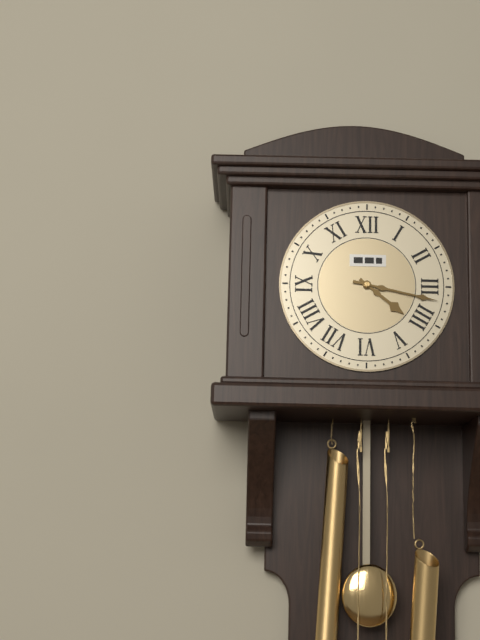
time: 4:17
